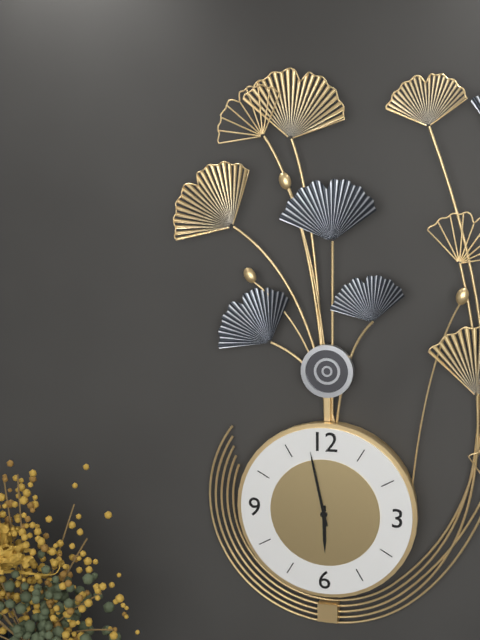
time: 5:58
